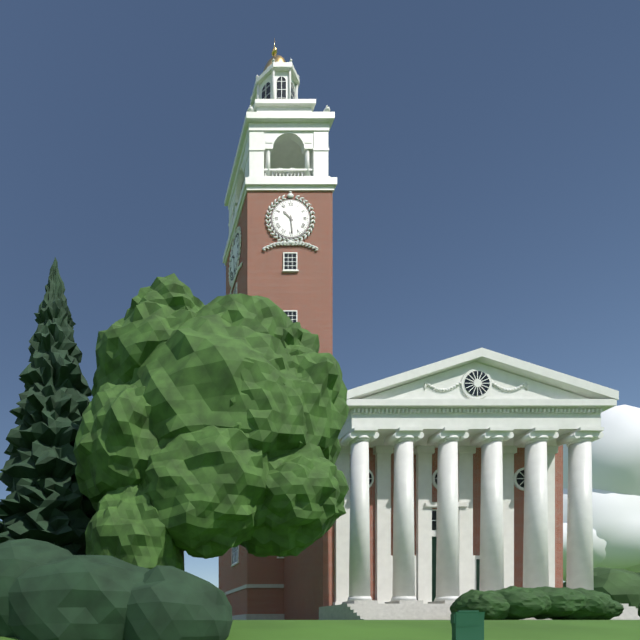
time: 10:29
